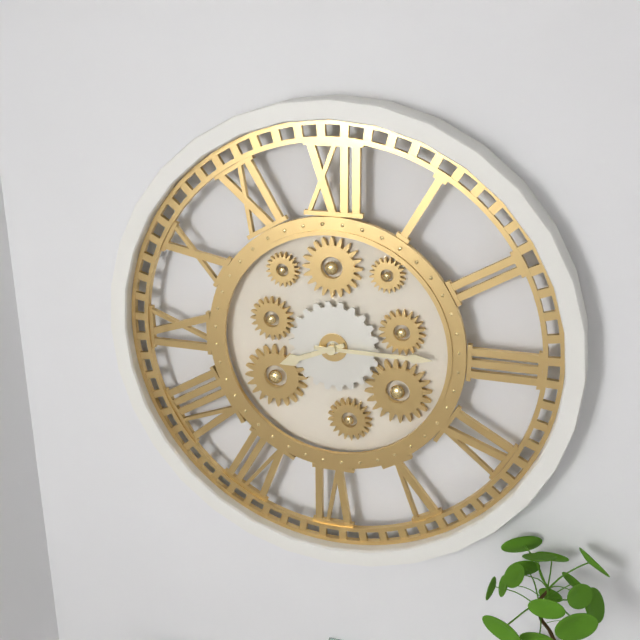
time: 8:15
